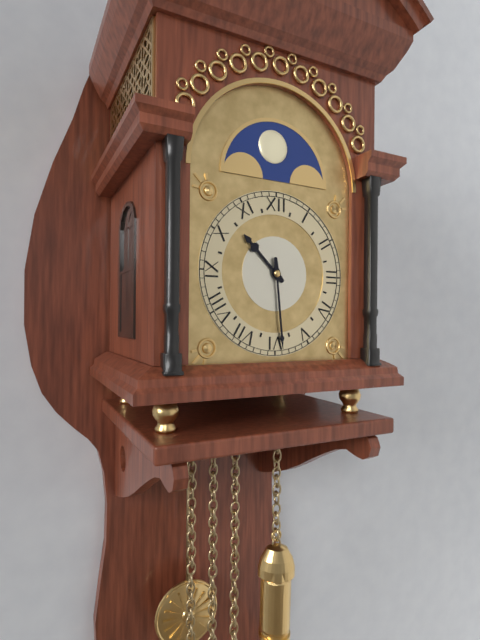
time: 10:29
